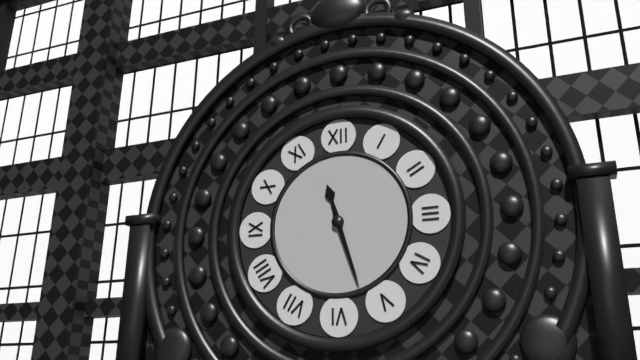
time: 11:27
